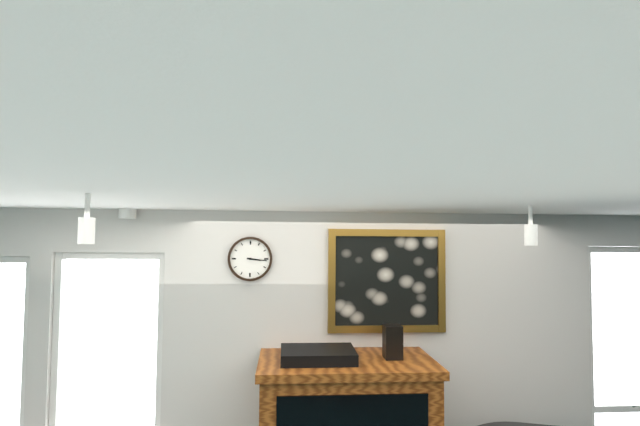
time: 3:16
